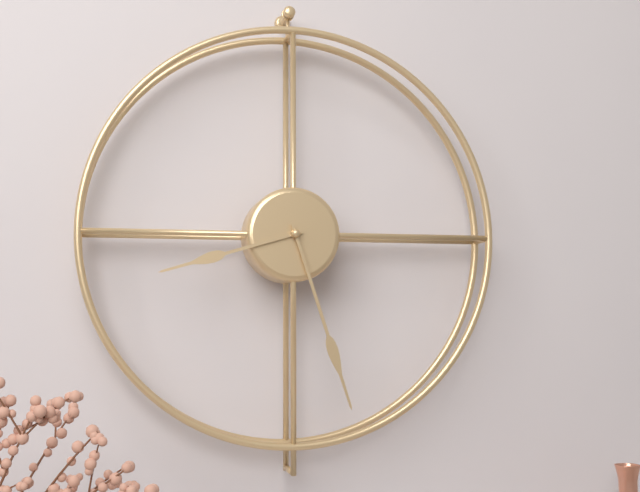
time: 8:27
